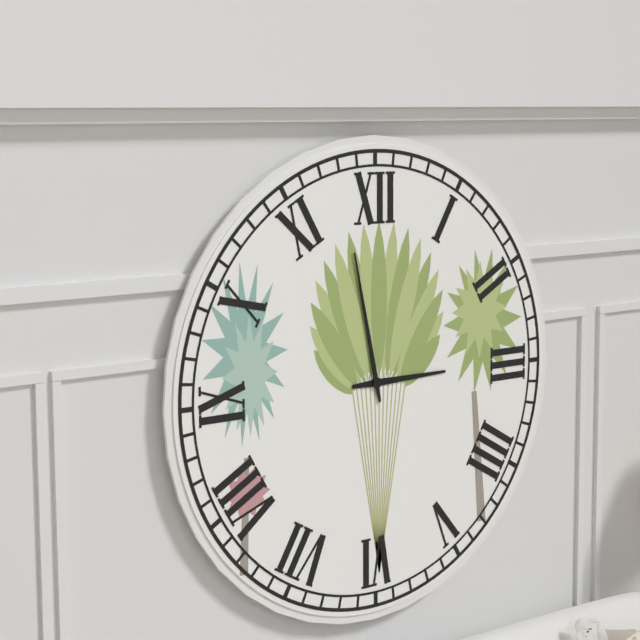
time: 2:58
